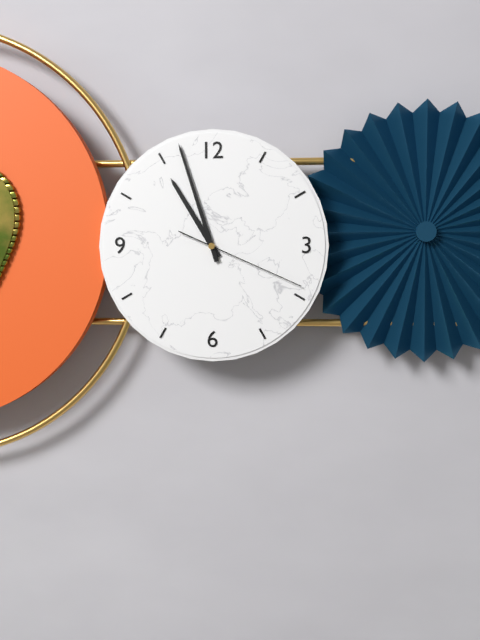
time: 10:57:19
